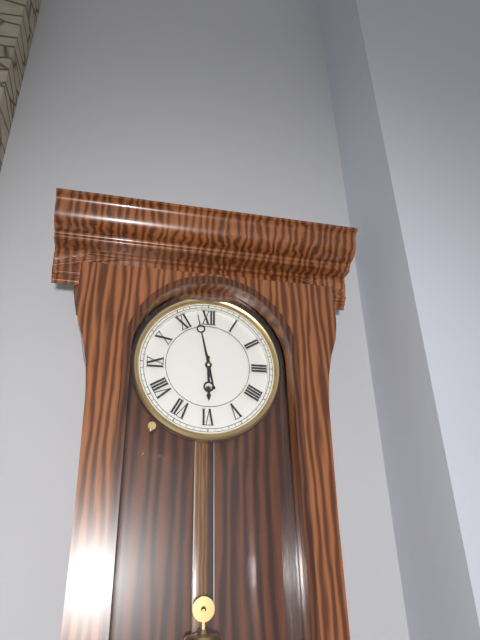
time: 5:58
